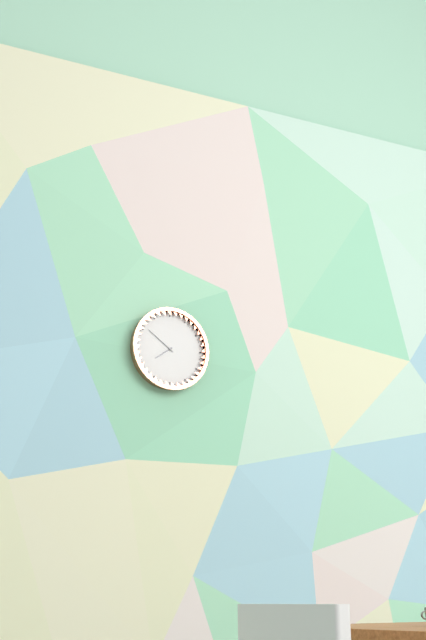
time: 7:51
